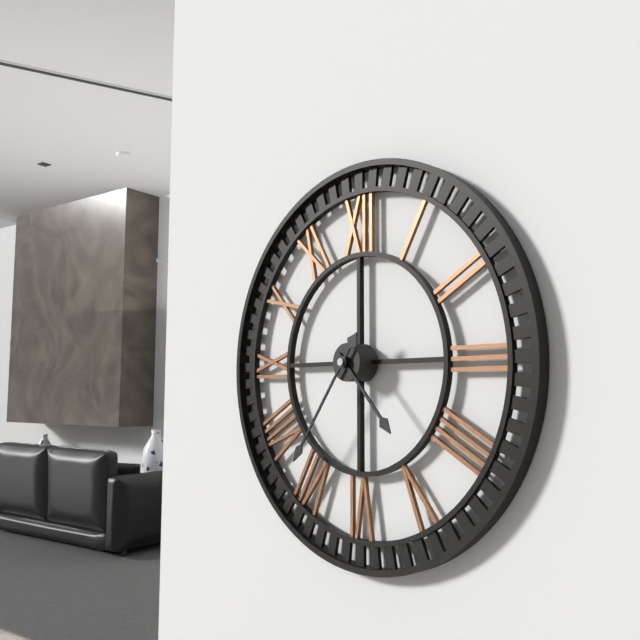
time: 4:36
